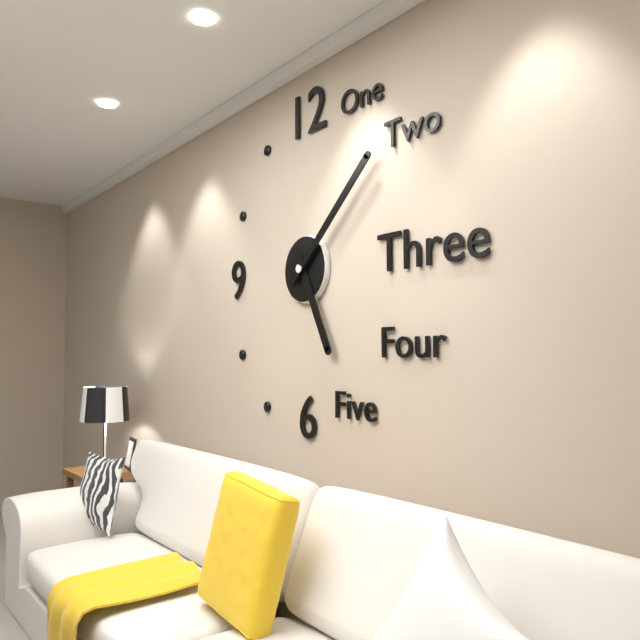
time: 5:08
